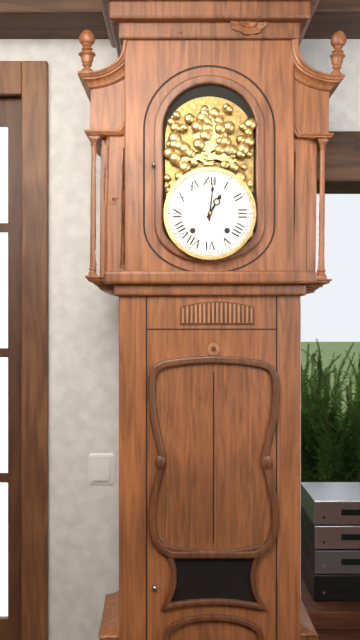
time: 1:01
